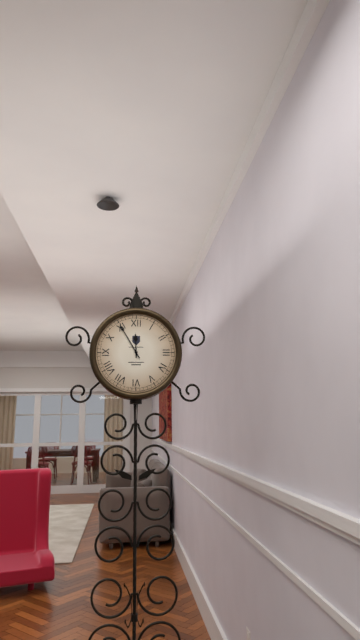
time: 11:55
